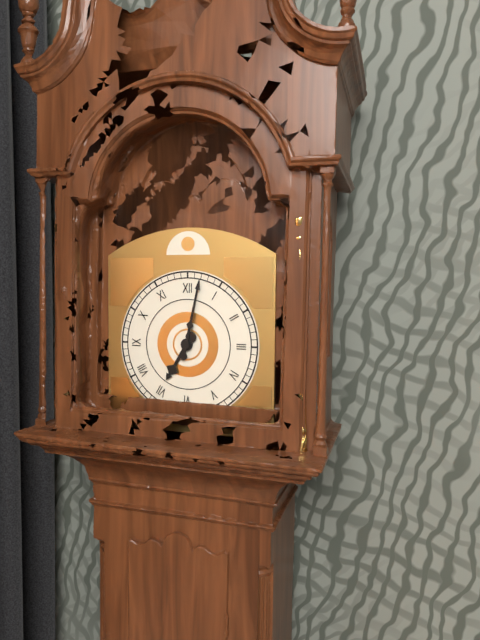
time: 7:02
